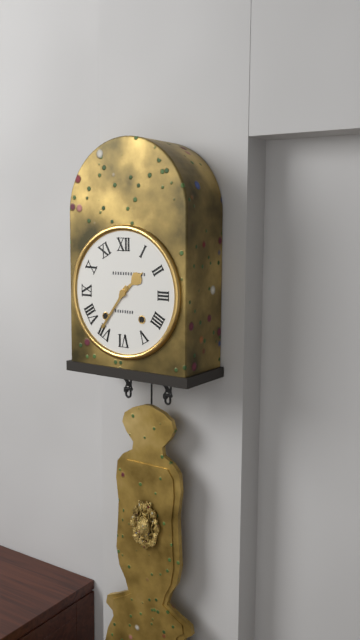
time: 1:36
